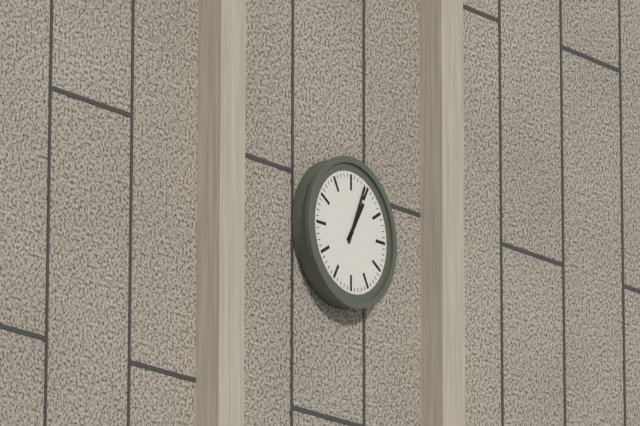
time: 1:04
